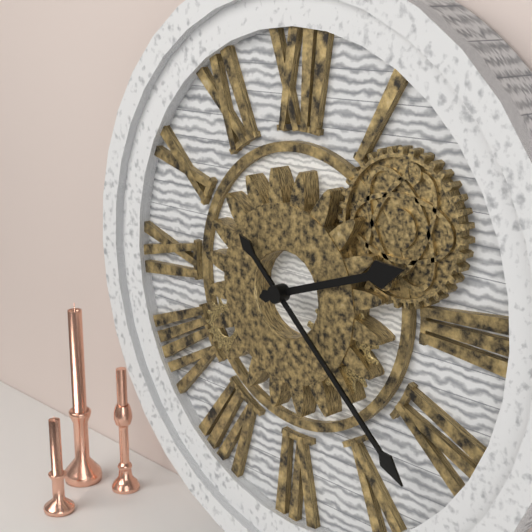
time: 2:22
